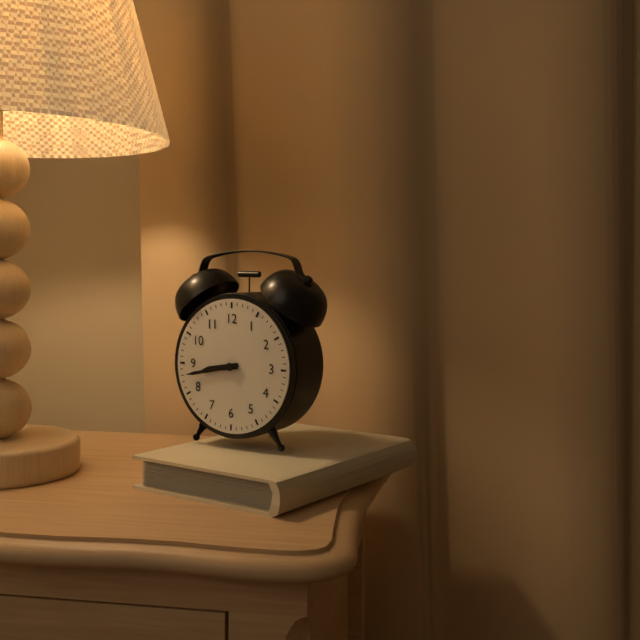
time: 8:43
